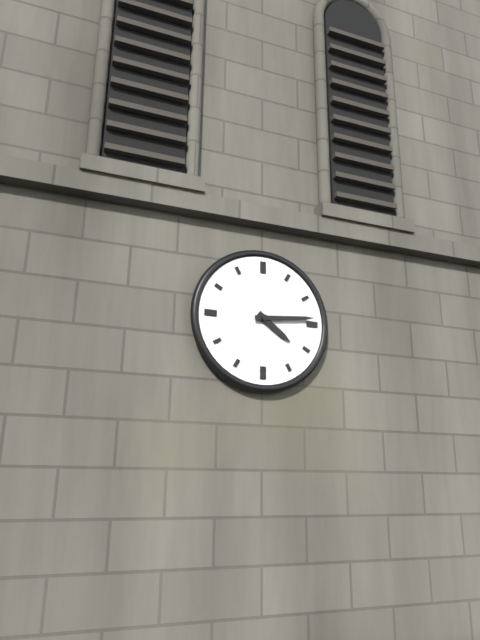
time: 4:14
